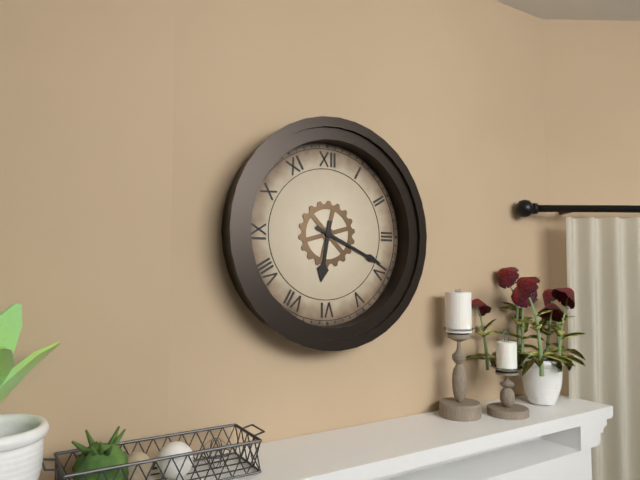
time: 6:19
